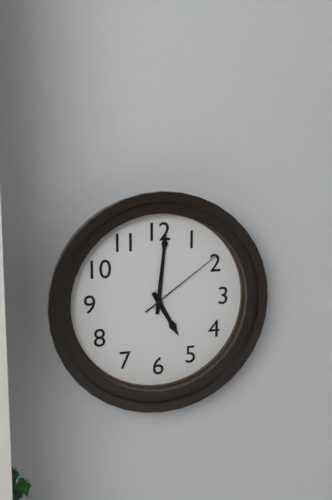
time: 5:01:09
